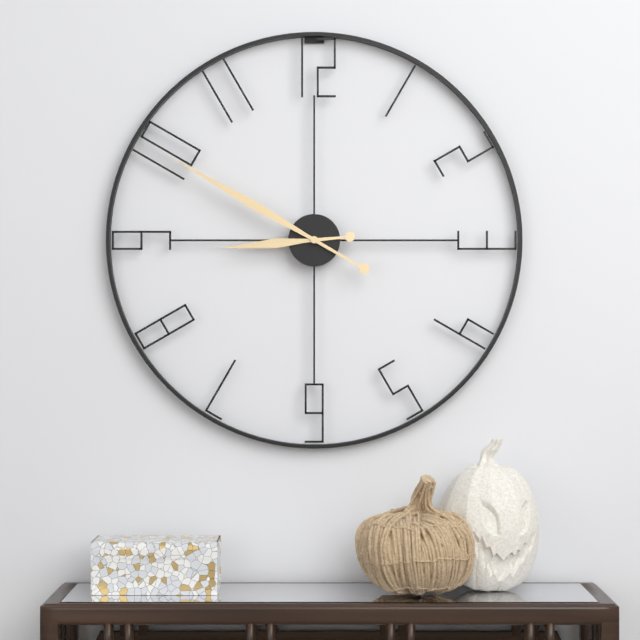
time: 8:50
